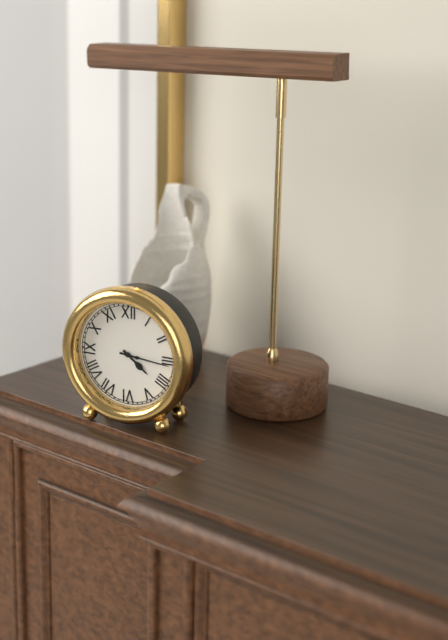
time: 4:16
